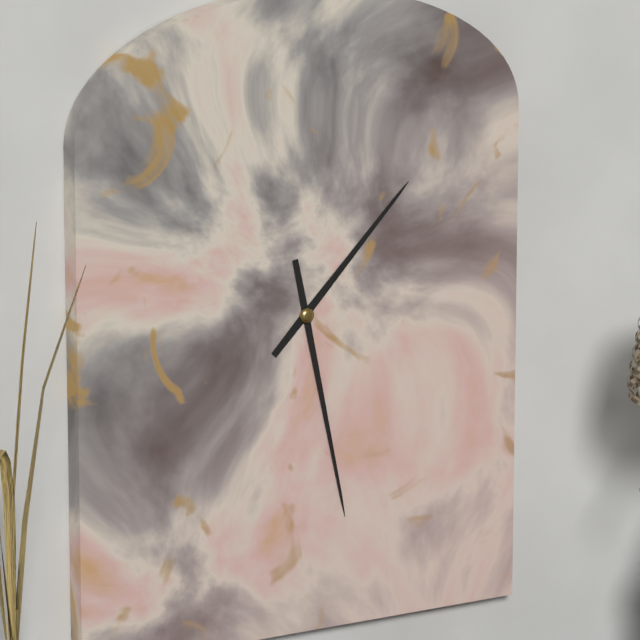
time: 1:28
